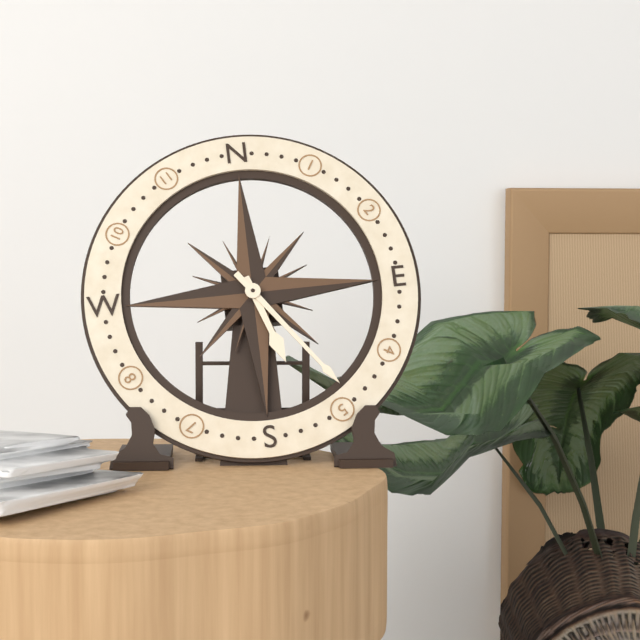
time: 5:24
